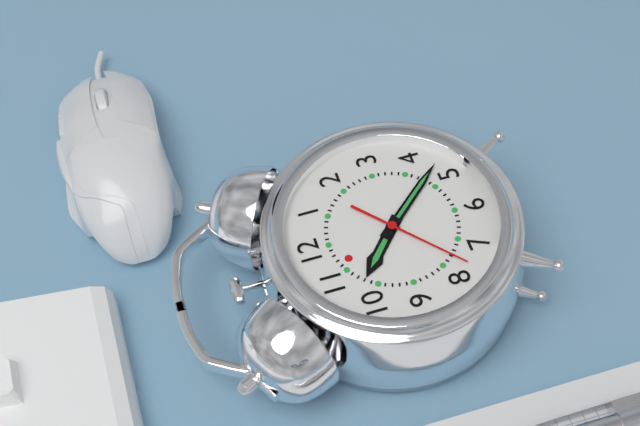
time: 10:23:38
